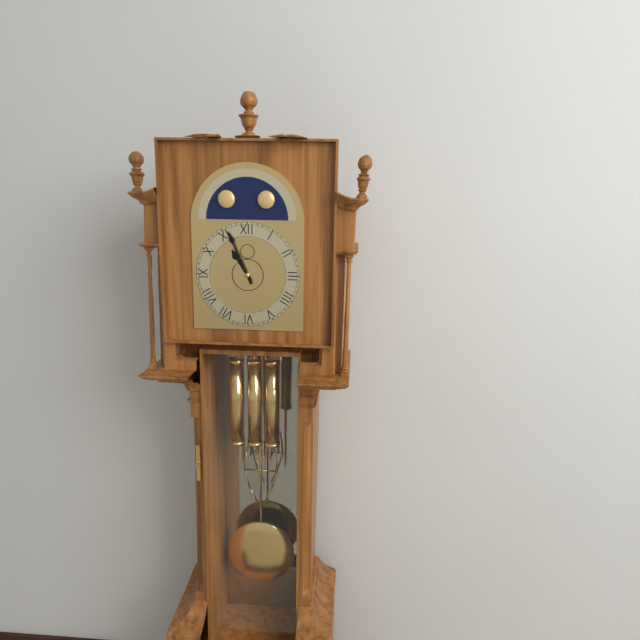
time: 10:56
